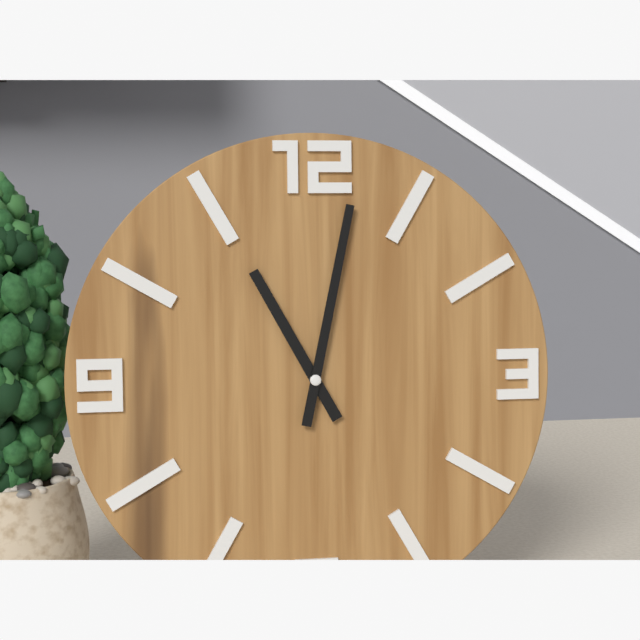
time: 11:02
